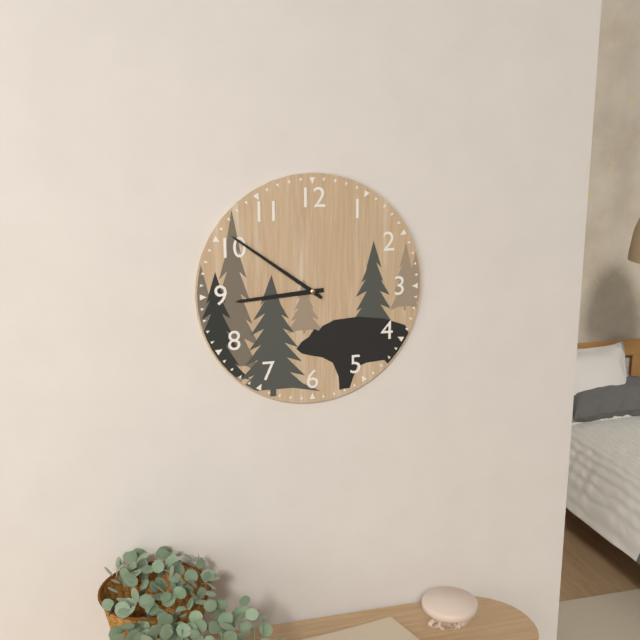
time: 8:51
